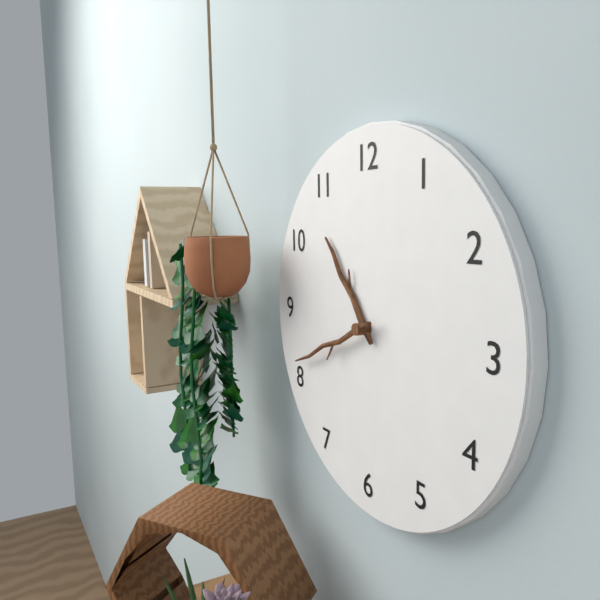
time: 10:41
